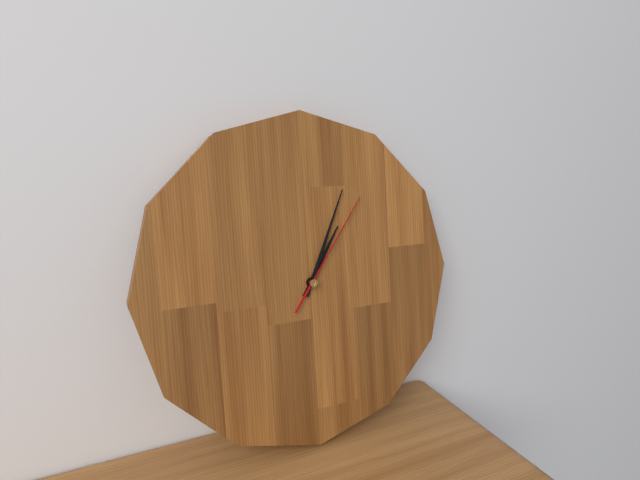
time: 1:04:06
